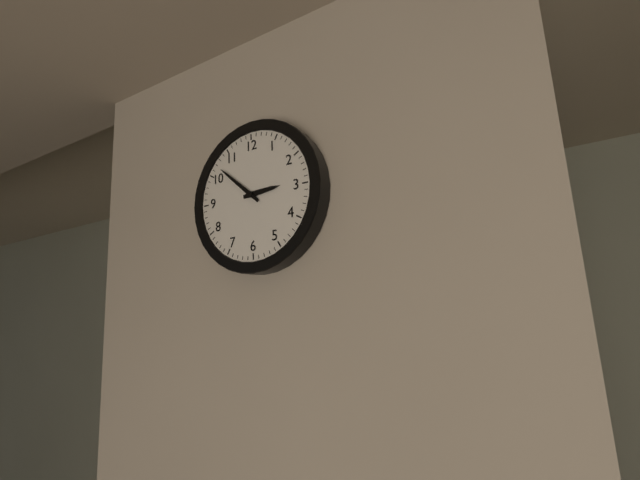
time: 2:52
